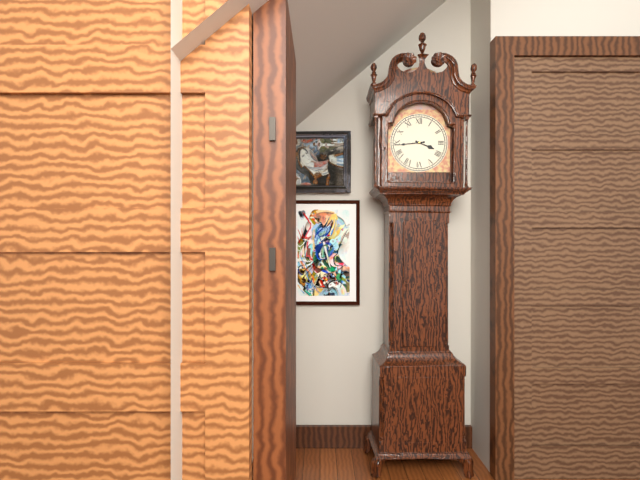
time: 3:44
